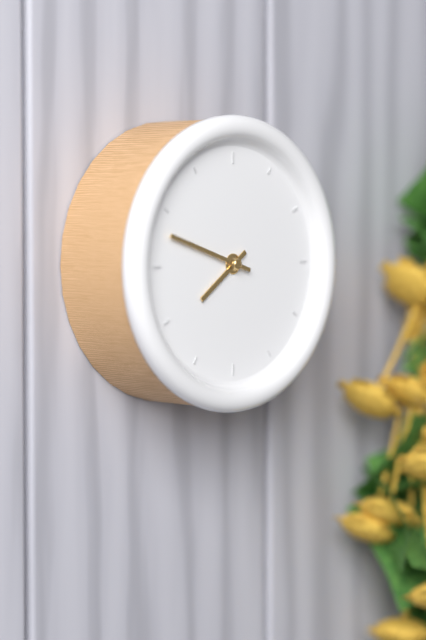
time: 7:48
